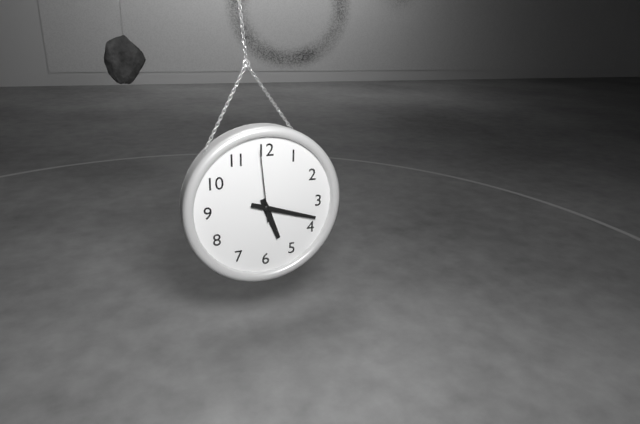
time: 5:18:59
